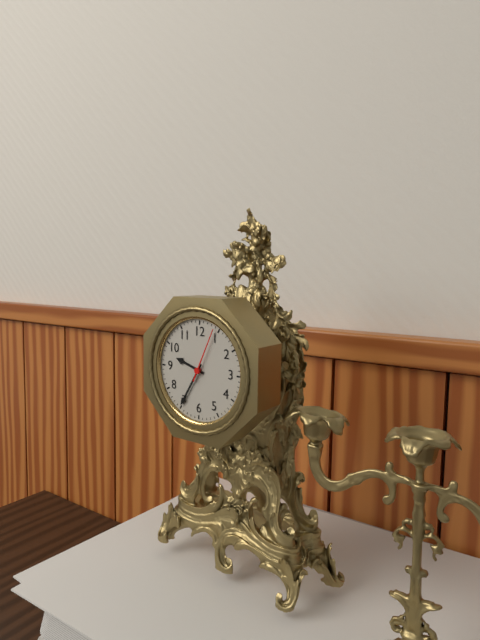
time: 9:35:04
